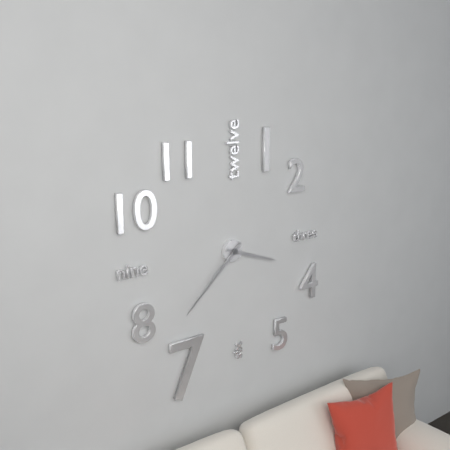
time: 3:38
